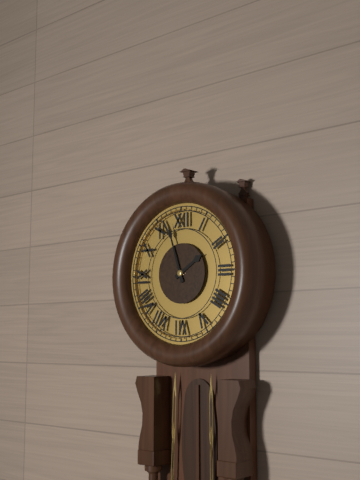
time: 1:57
